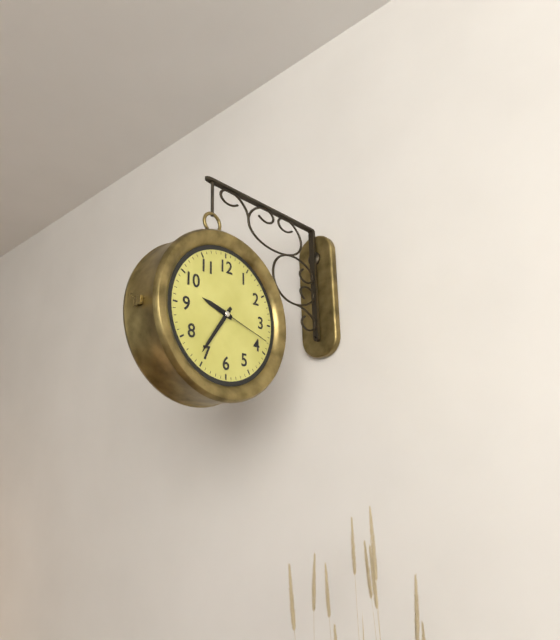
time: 9:36:18
